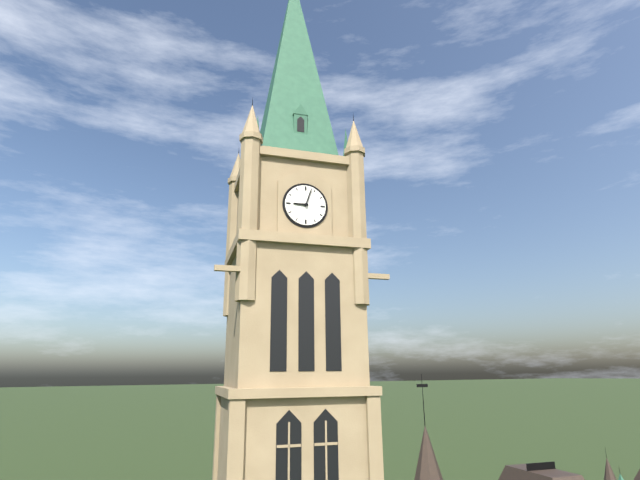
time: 9:03
